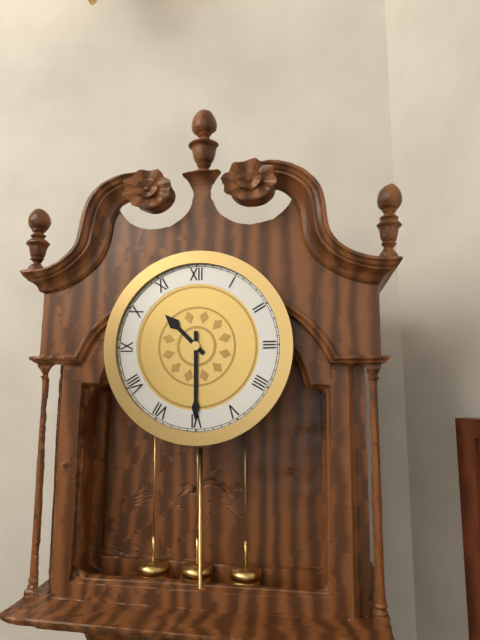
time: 10:30
